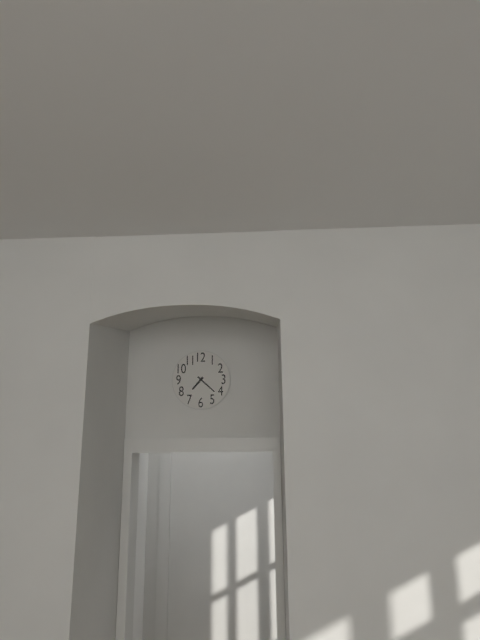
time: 7:22
